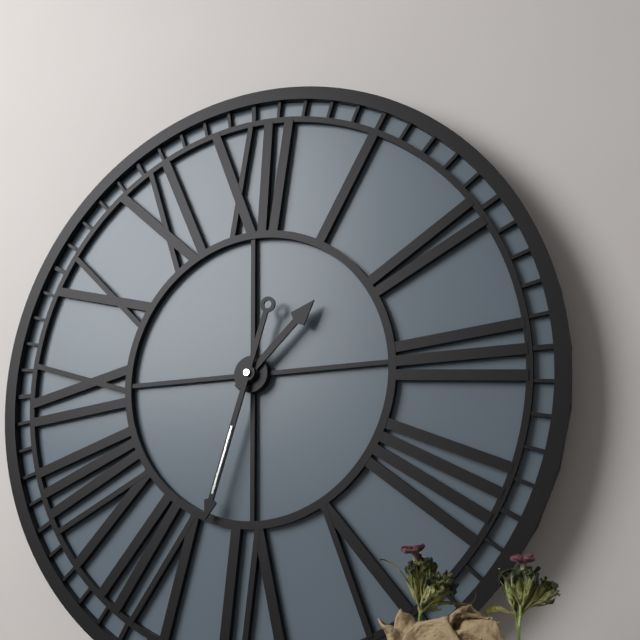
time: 1:33
